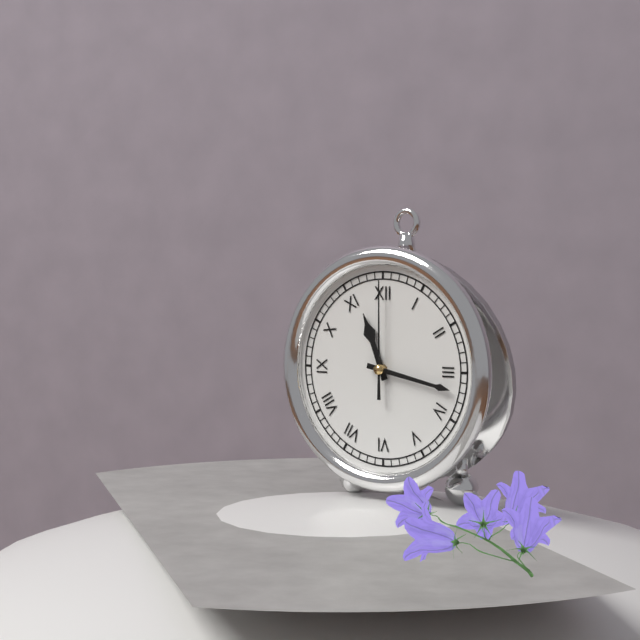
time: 11:17:00
